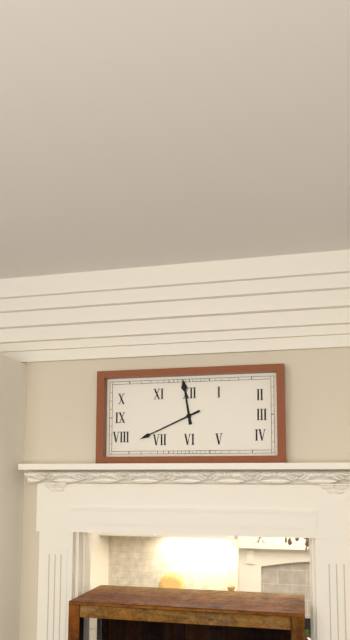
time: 11:41
